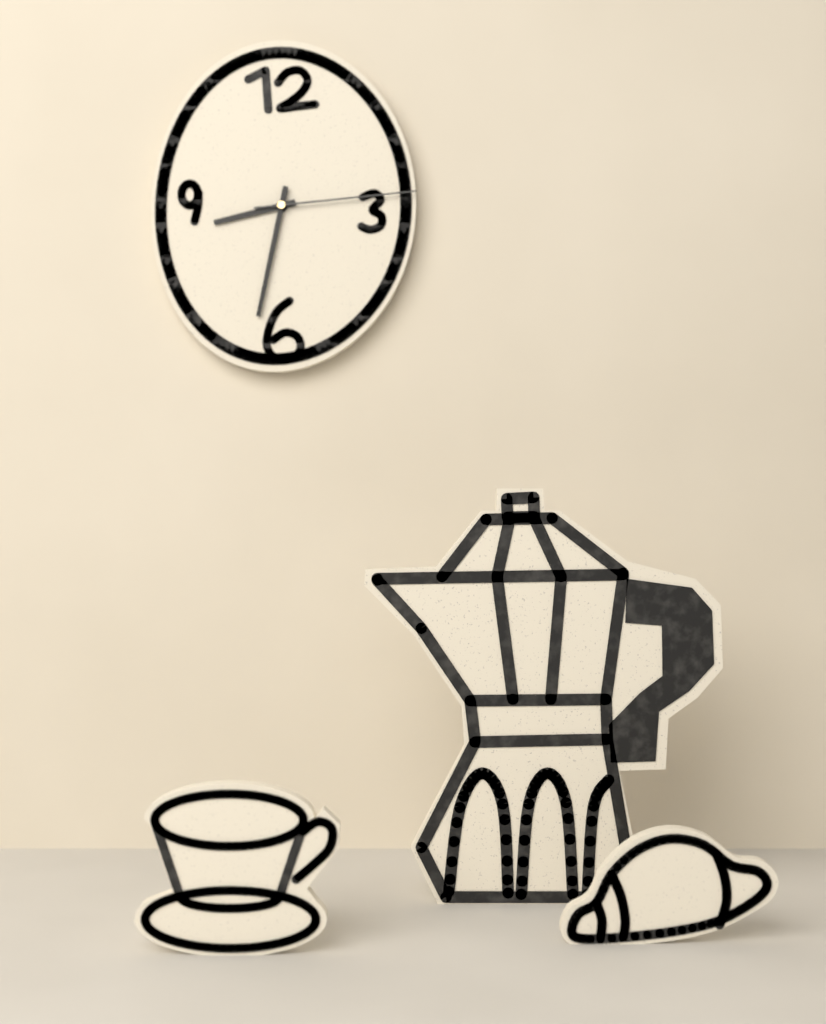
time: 8:32:14
